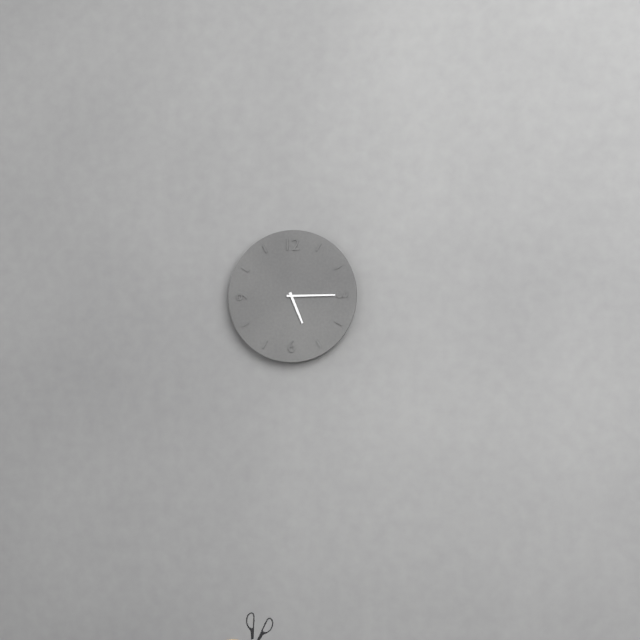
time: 5:15
